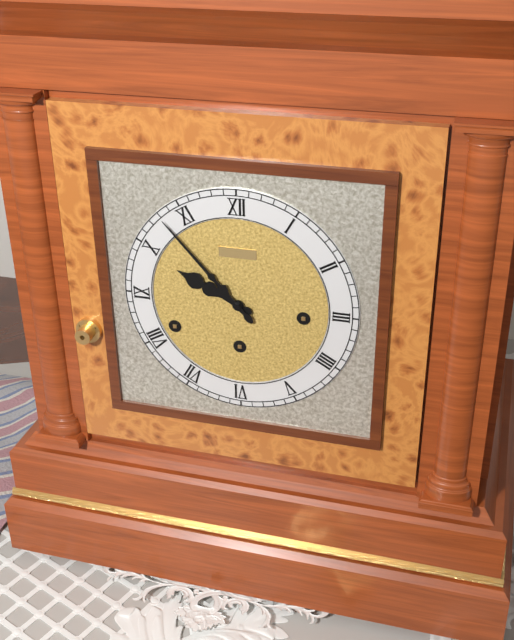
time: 9:53
